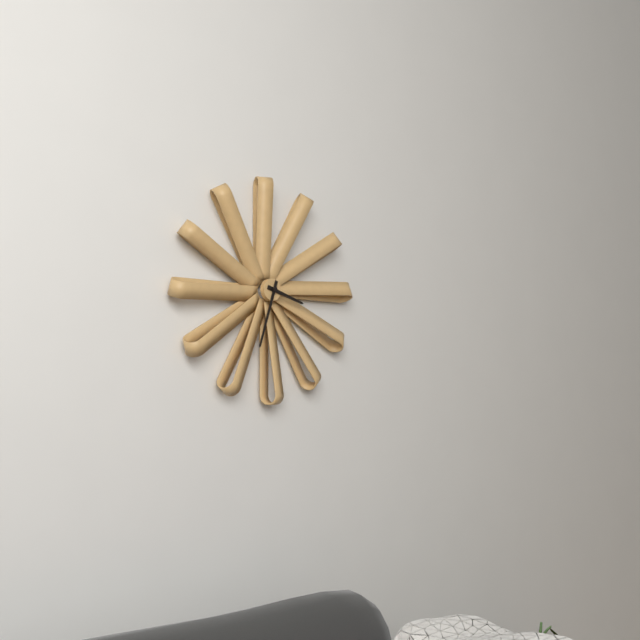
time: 3:33
